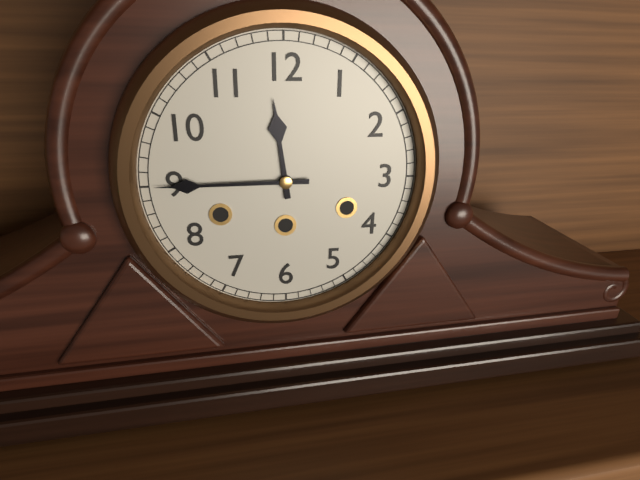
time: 11:45
